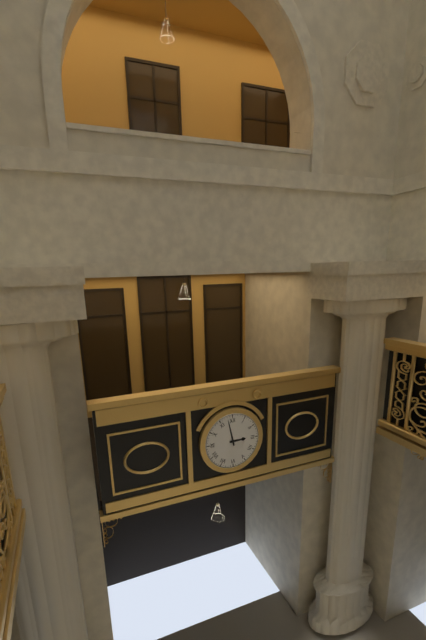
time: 2:58
